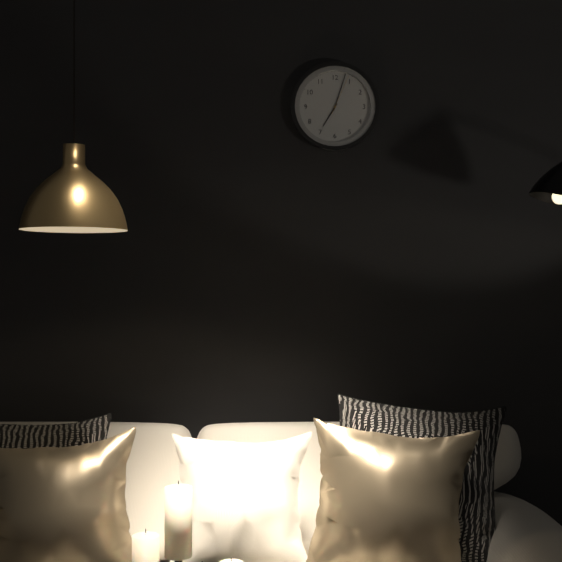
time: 7:03
